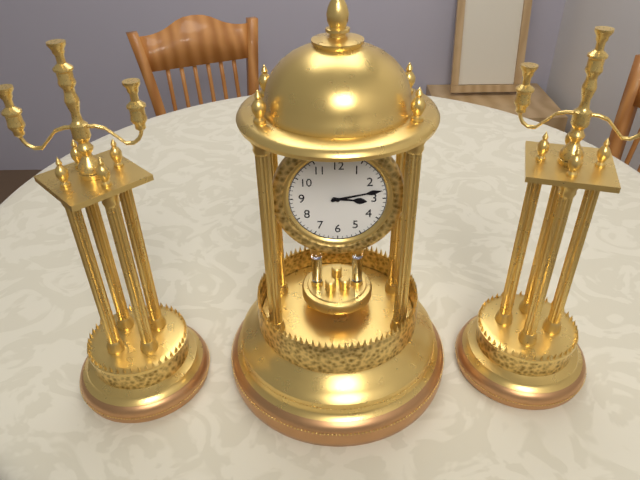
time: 3:13
